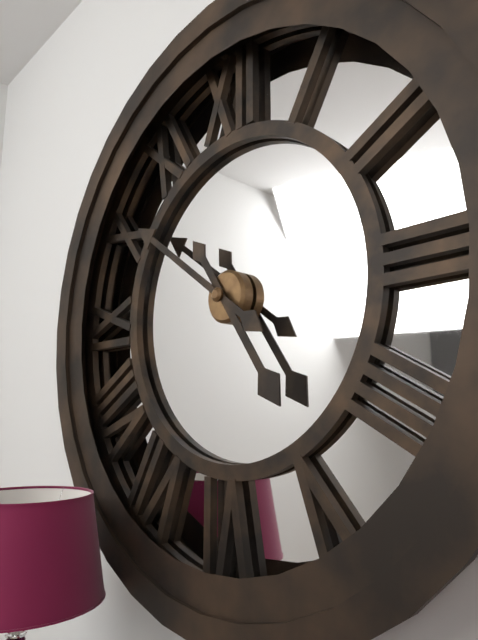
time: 4:51
